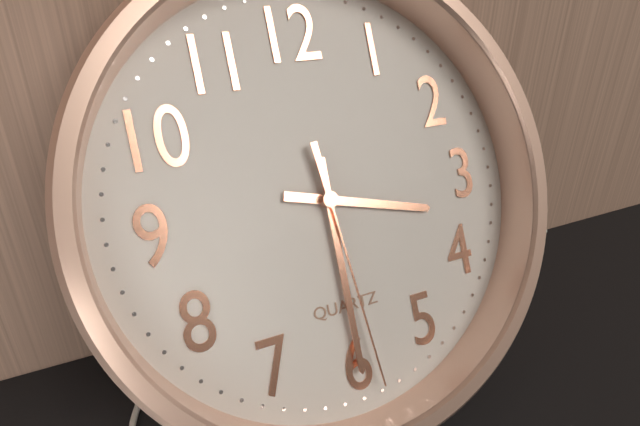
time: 3:30:29
